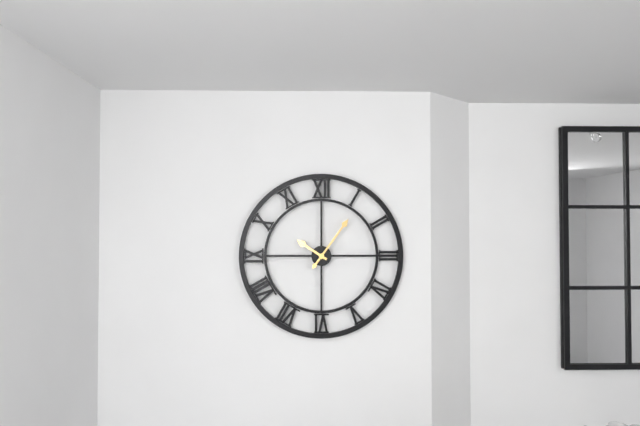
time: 10:06
